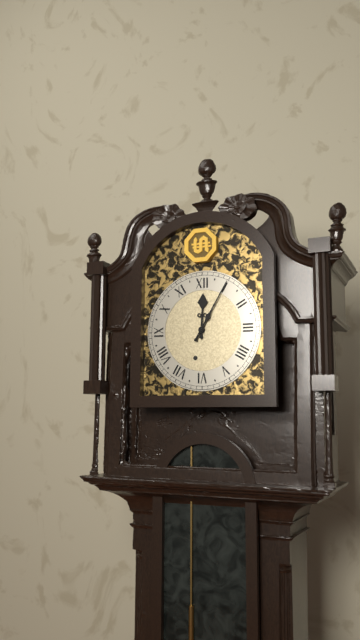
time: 12:05
